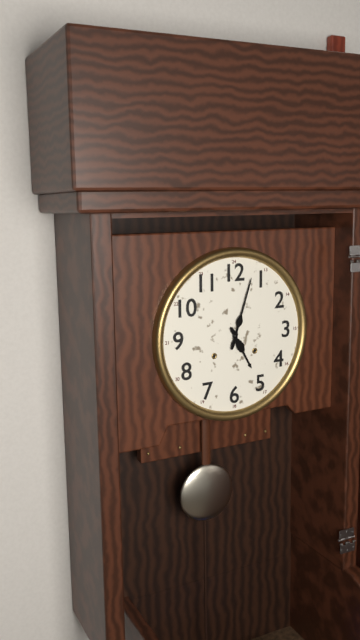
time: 5:03
